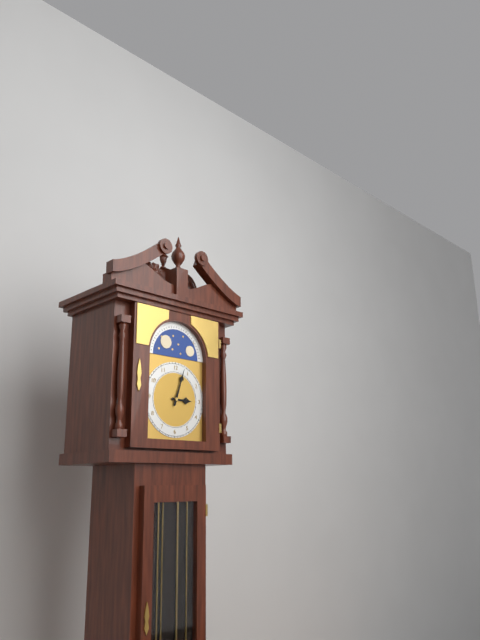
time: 3:03
